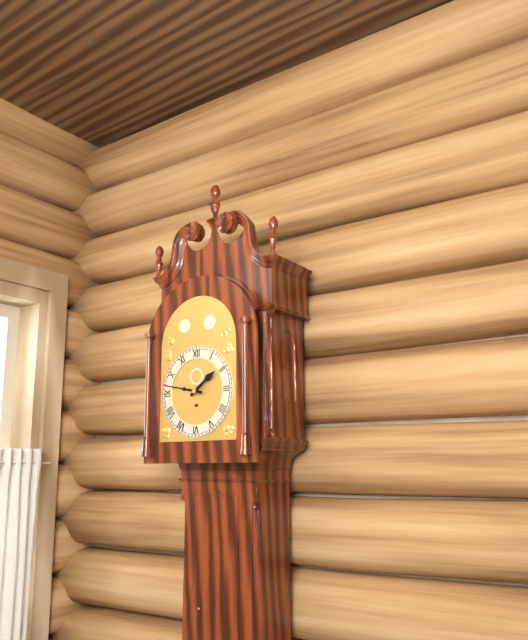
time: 1:47
